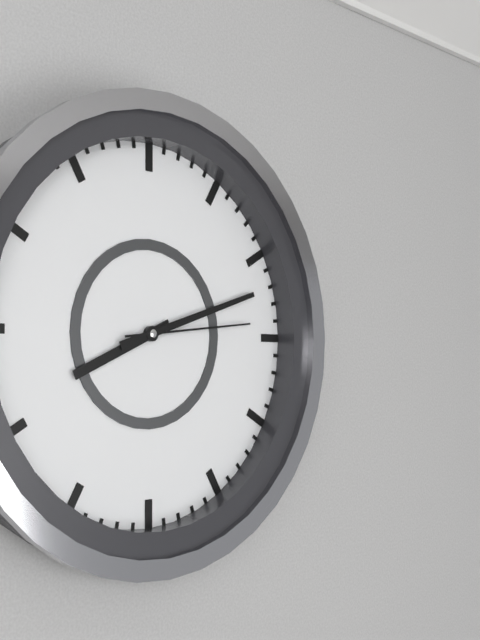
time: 8:12:14
